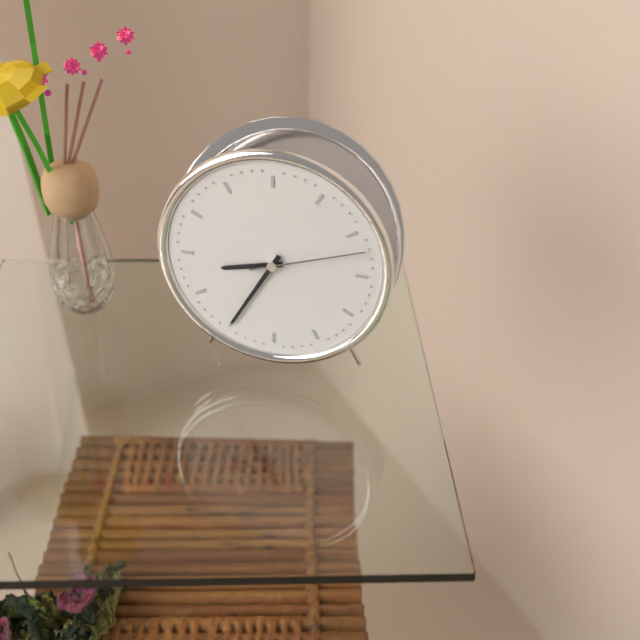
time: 8:35:12
